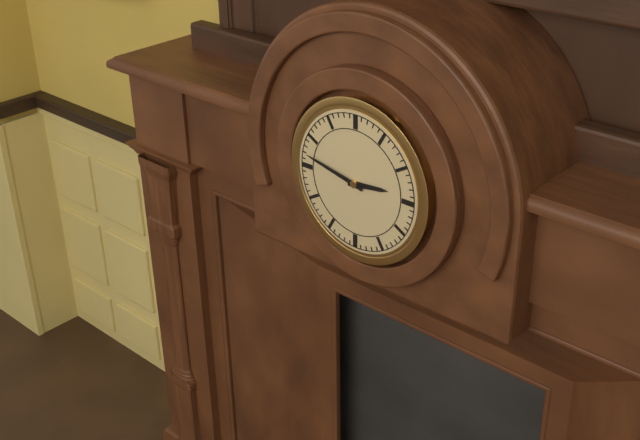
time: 2:47
